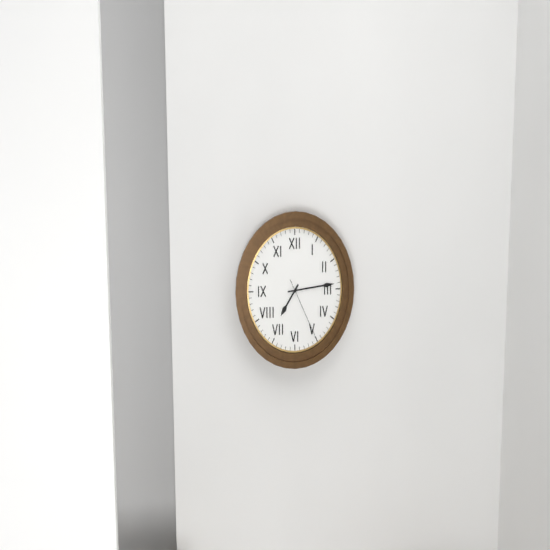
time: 7:14:25
